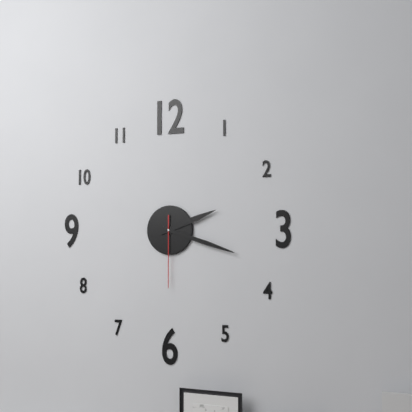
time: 2:18:30
